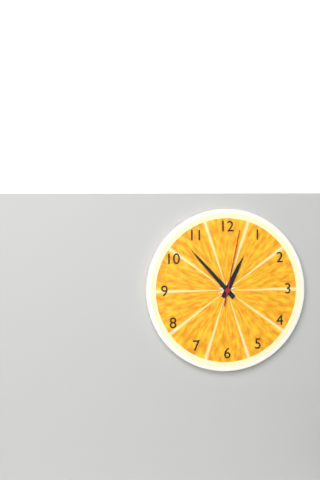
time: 12:53:02
